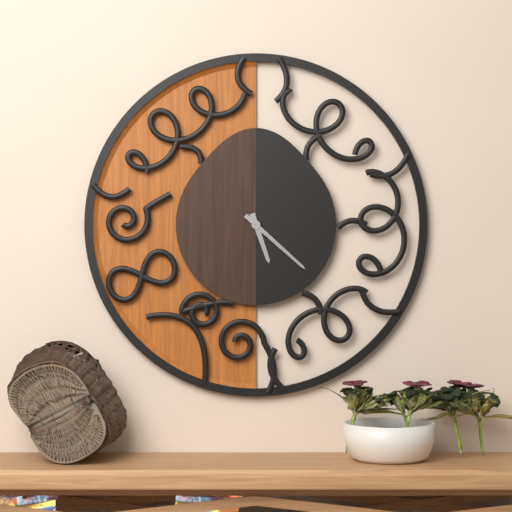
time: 5:22
